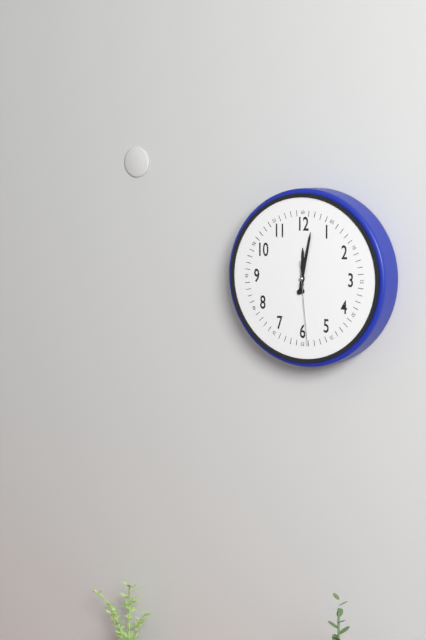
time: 12:02:29
